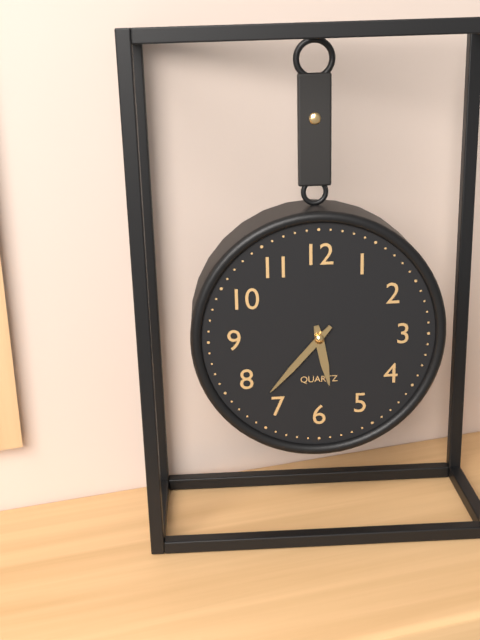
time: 5:37
